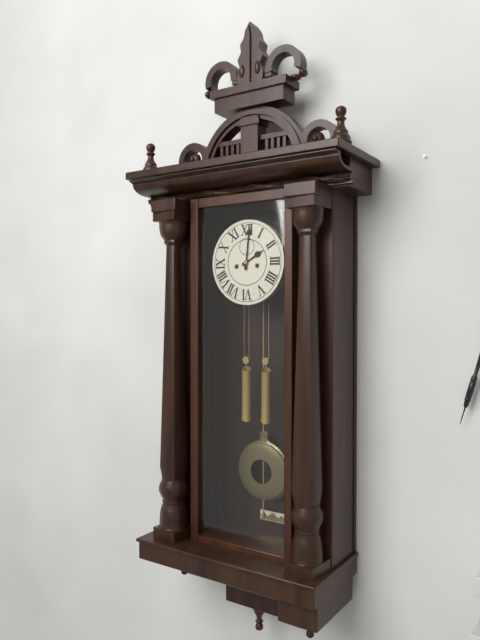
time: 2:01
